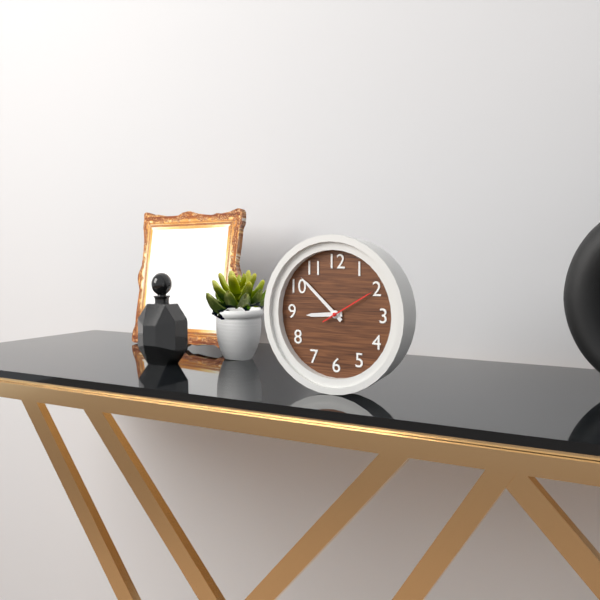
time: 8:52:10
